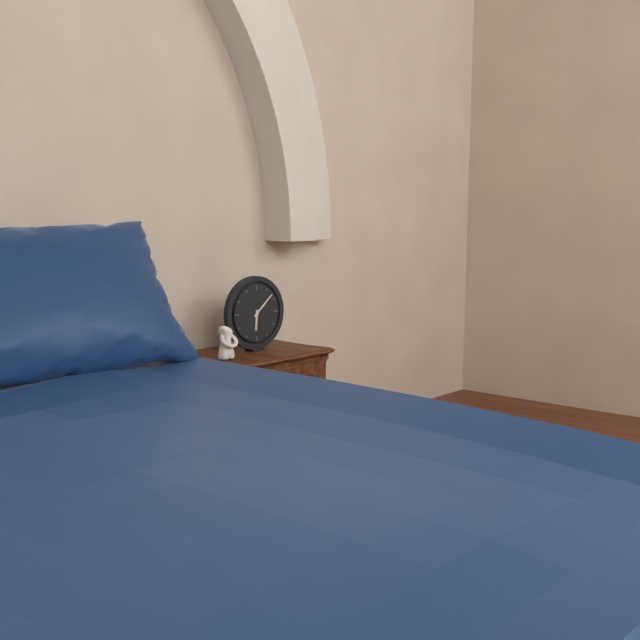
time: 6:08
